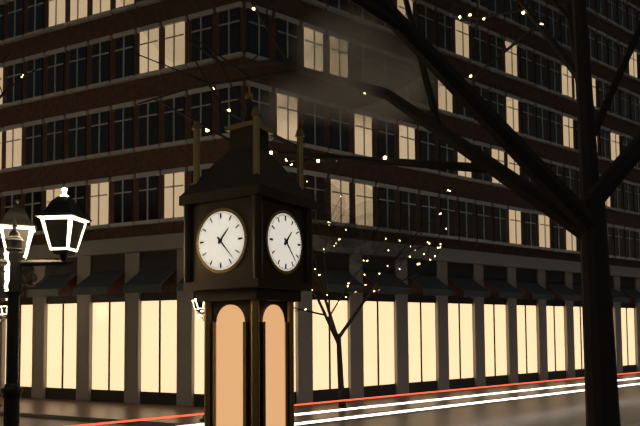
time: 1:23
